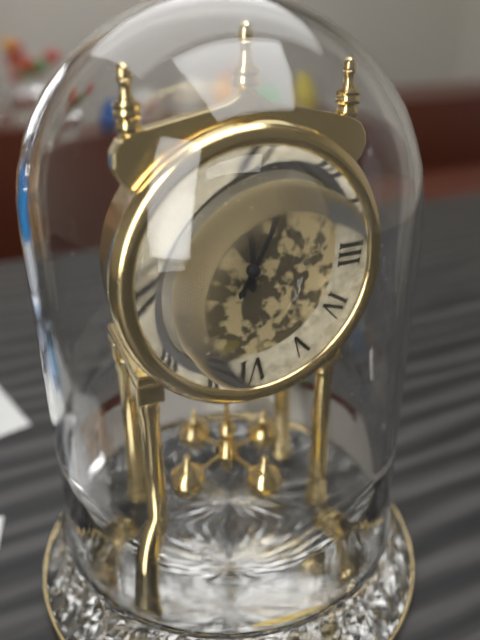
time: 12:05
